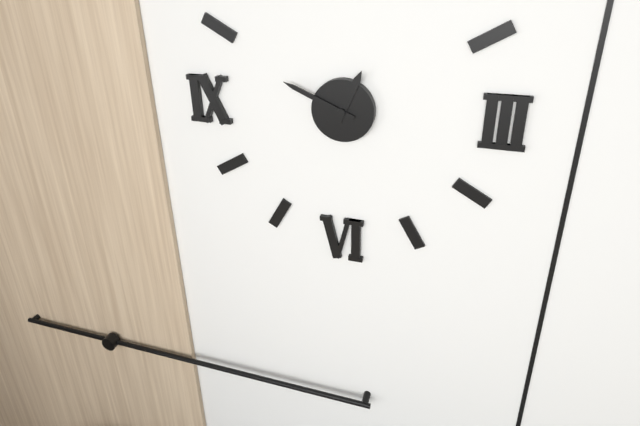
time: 12:49
